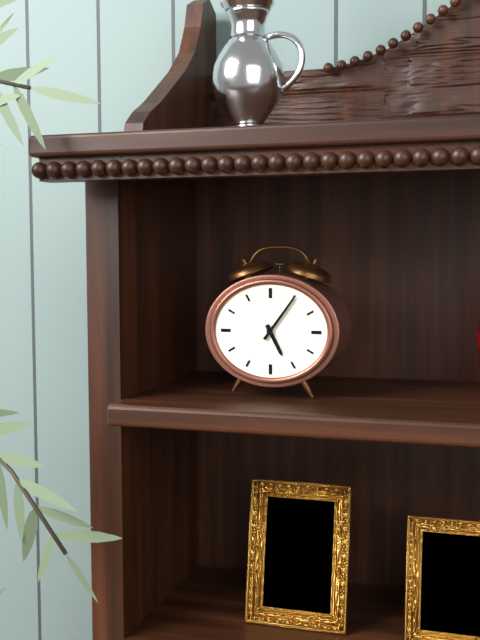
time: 5:06
